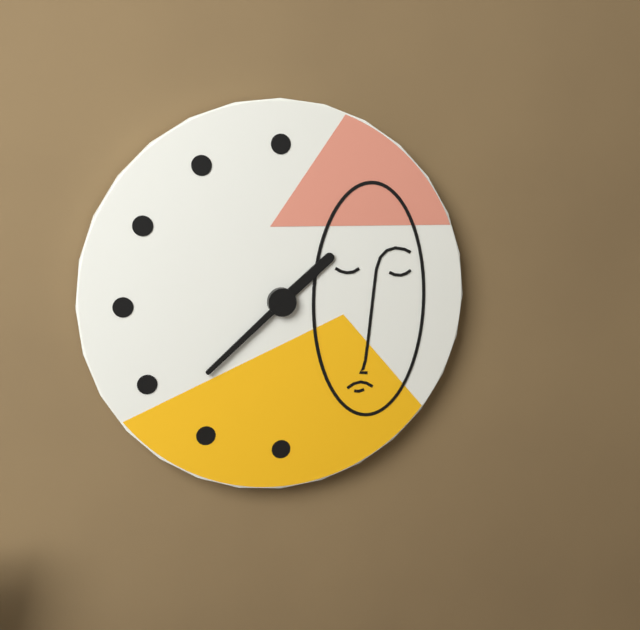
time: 1:38
